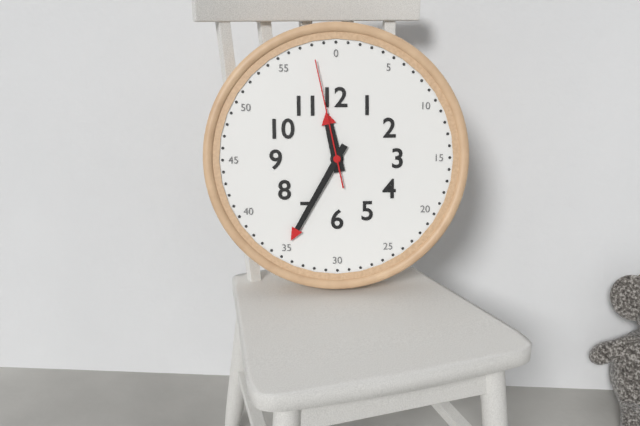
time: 11:35:58
